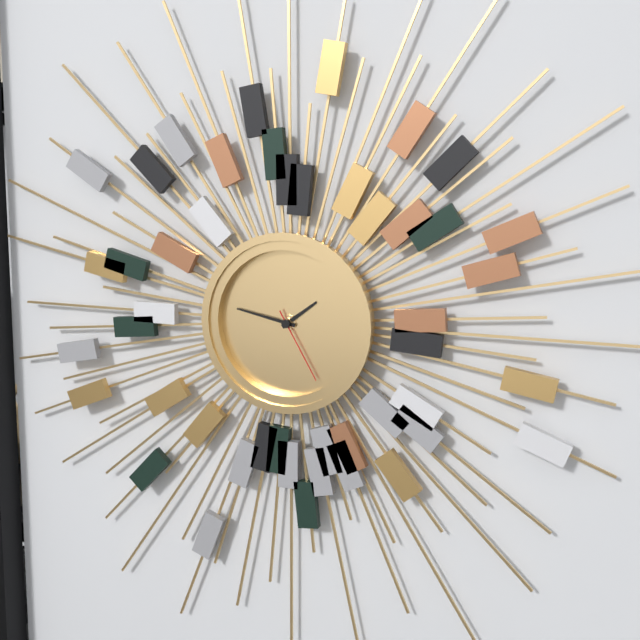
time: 1:47:25
